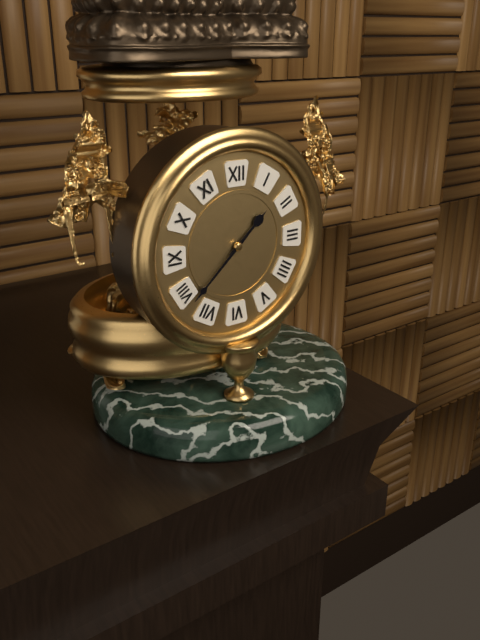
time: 1:38
